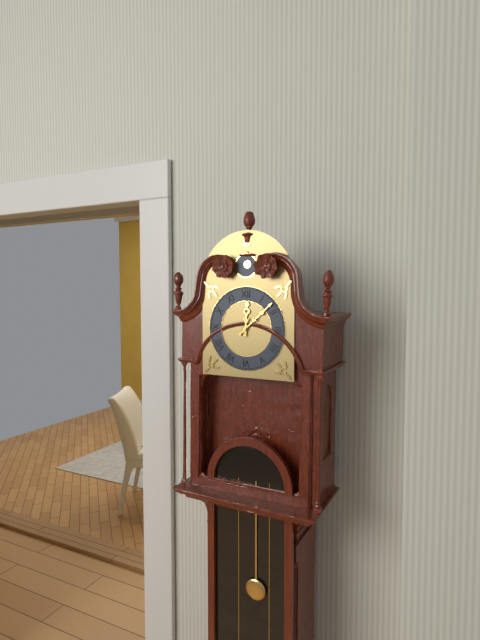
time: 12:08
